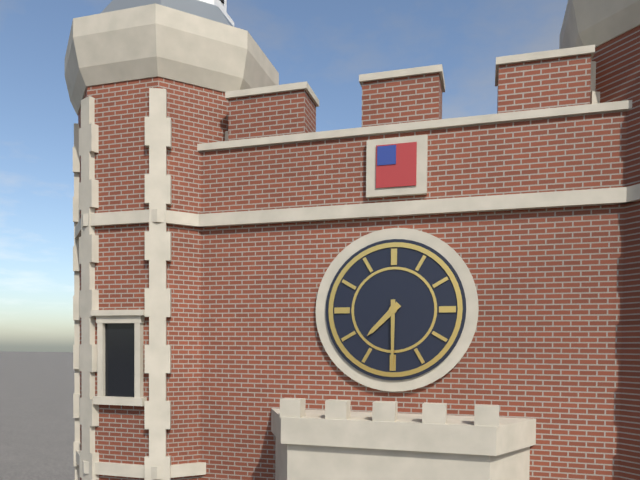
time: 7:30
